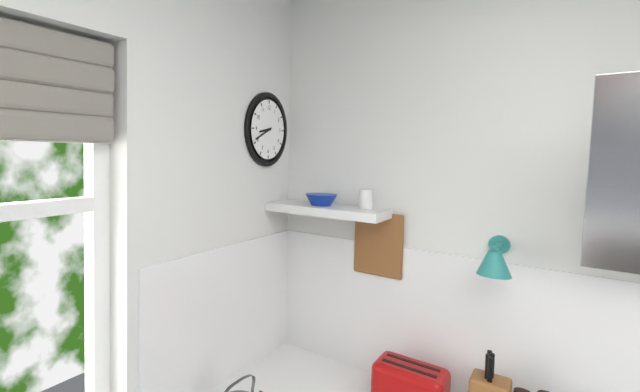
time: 8:41
